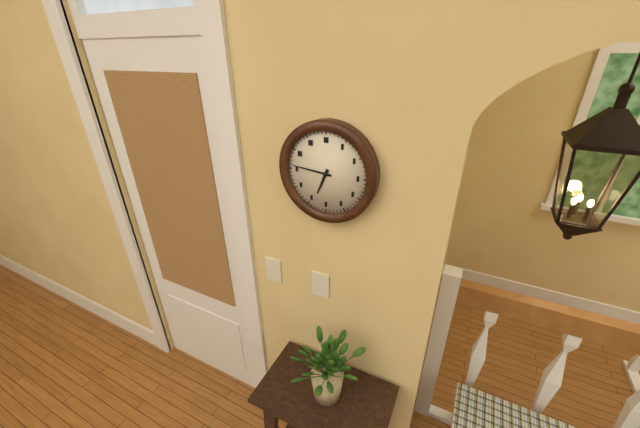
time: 6:46
